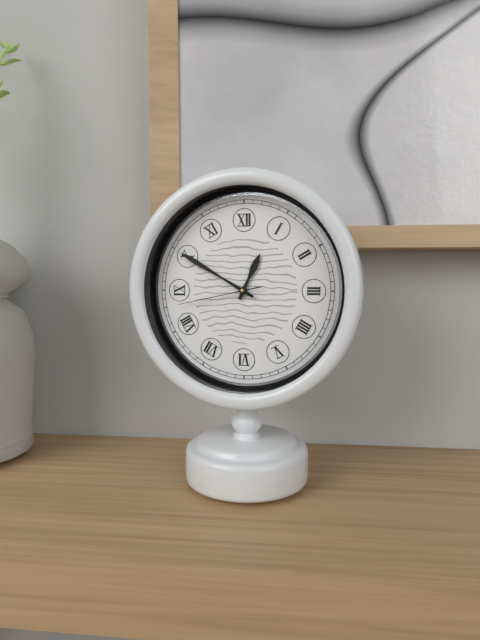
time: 12:50:43
